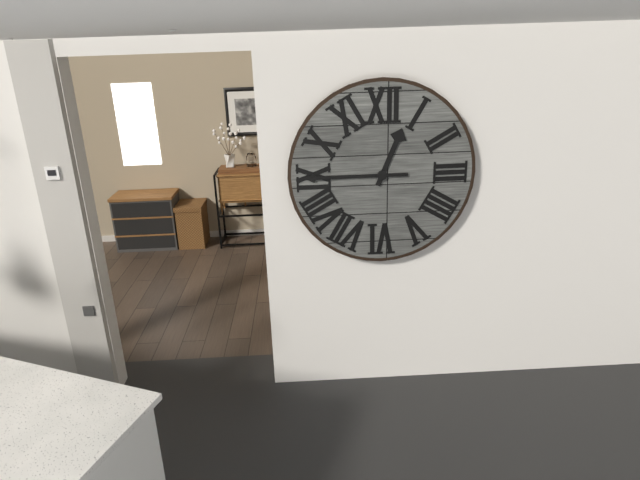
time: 12:45
